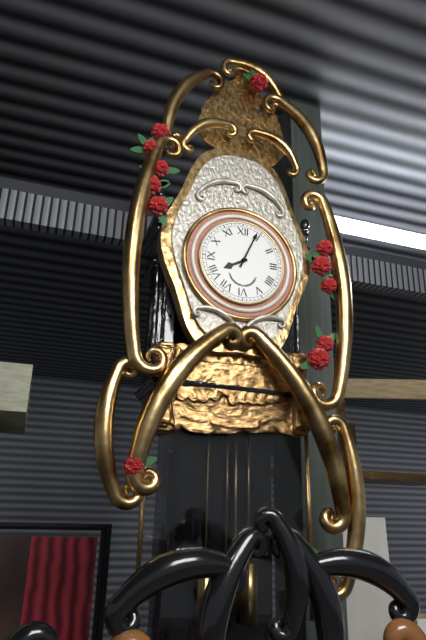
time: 8:04
